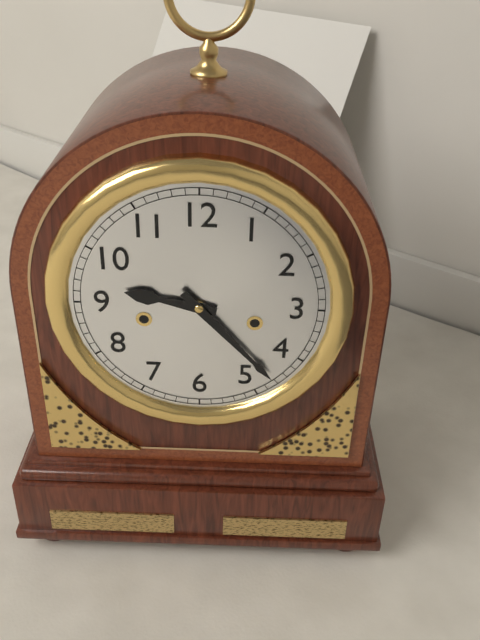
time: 9:23
